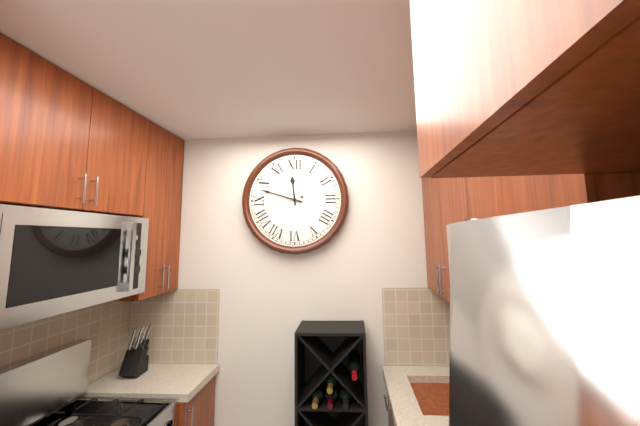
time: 11:48:42
